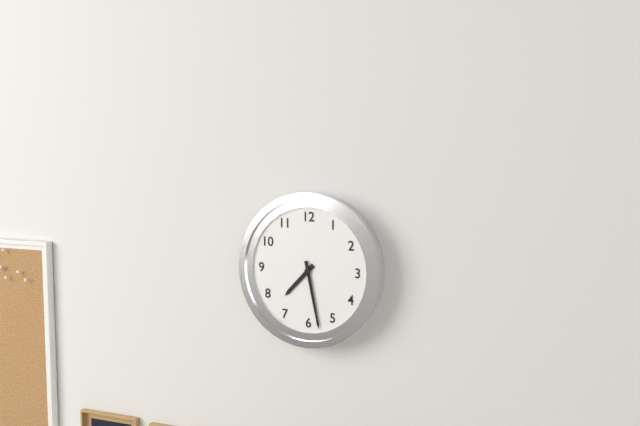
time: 7:28
